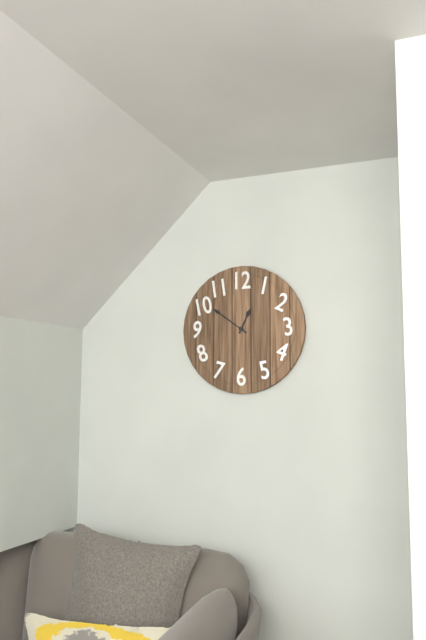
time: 12:51
